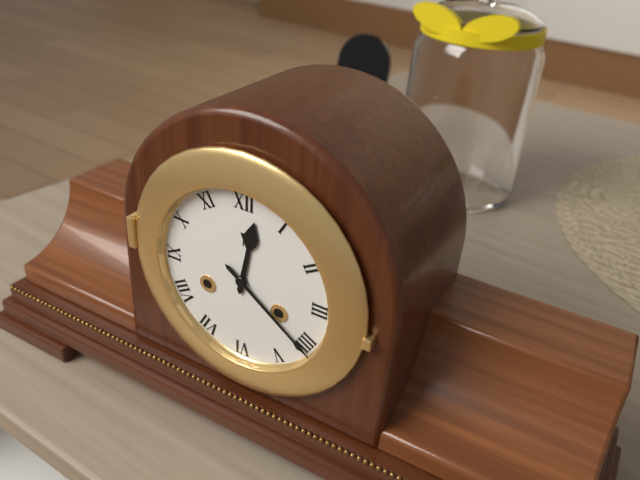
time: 12:21
